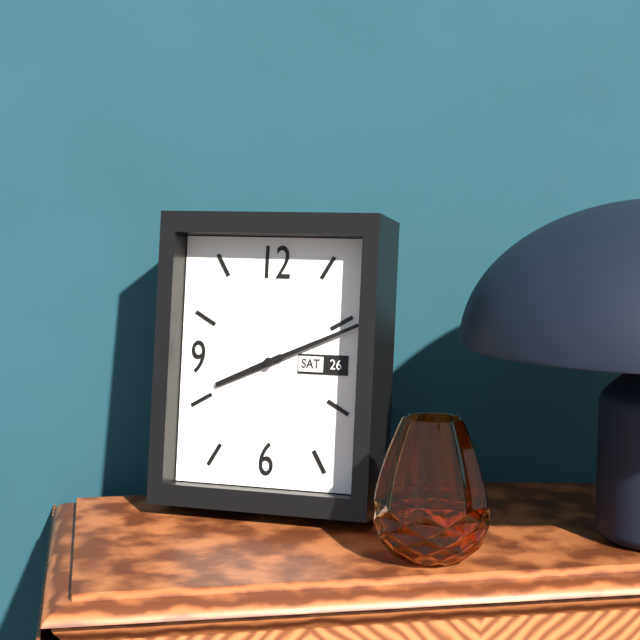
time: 8:11
